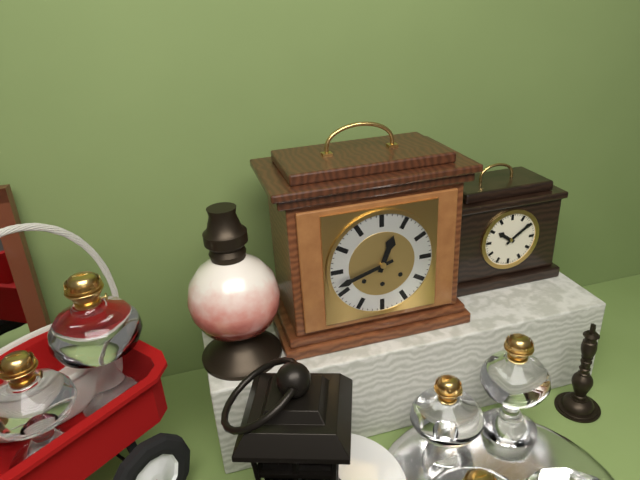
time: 12:42
